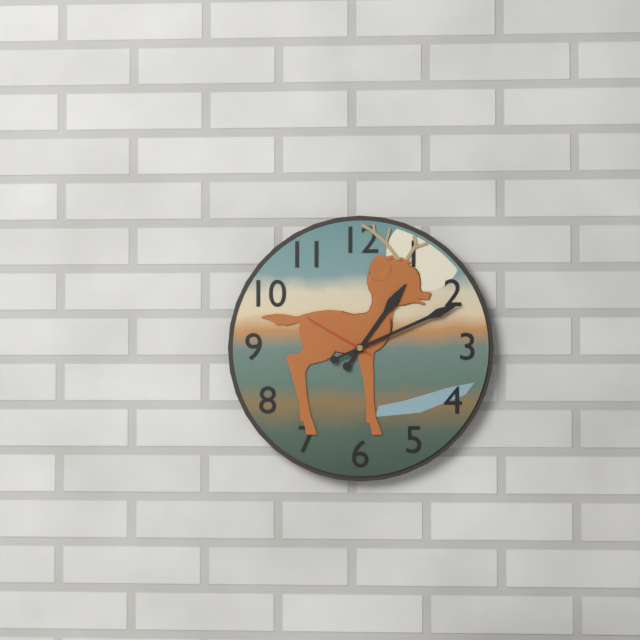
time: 1:11:50
